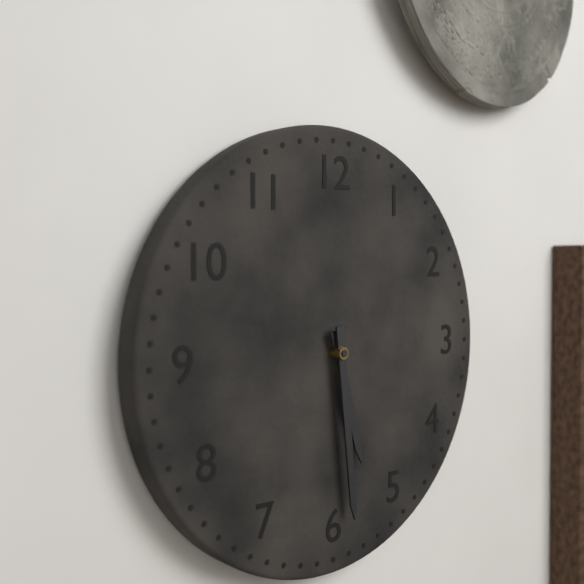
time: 5:29
